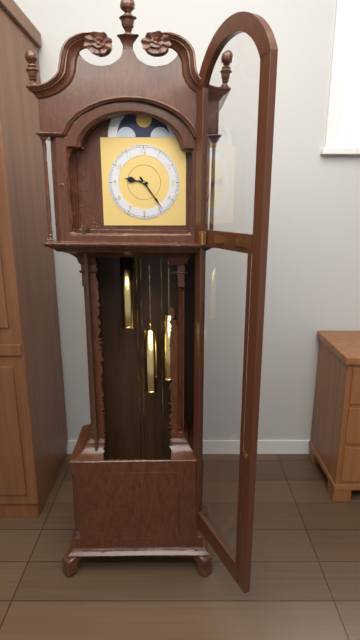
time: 9:24
